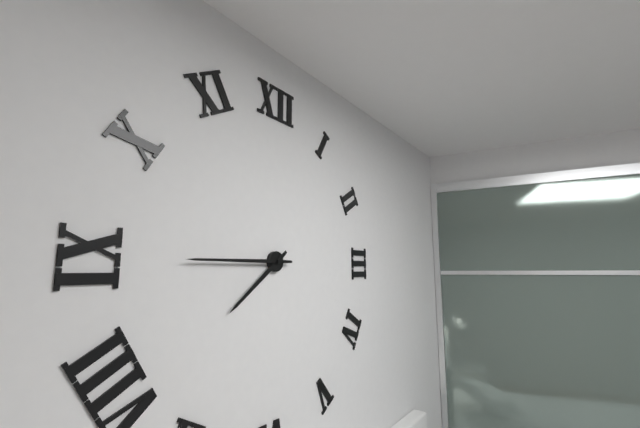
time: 7:45
